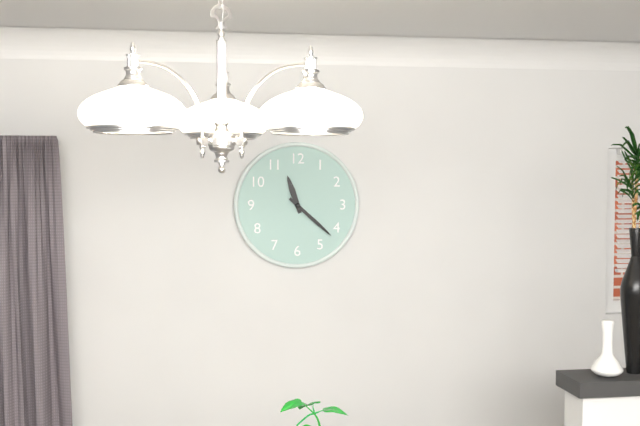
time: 11:22
